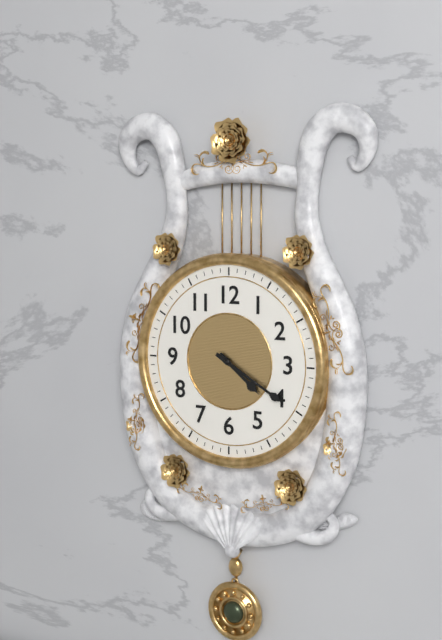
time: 4:20
